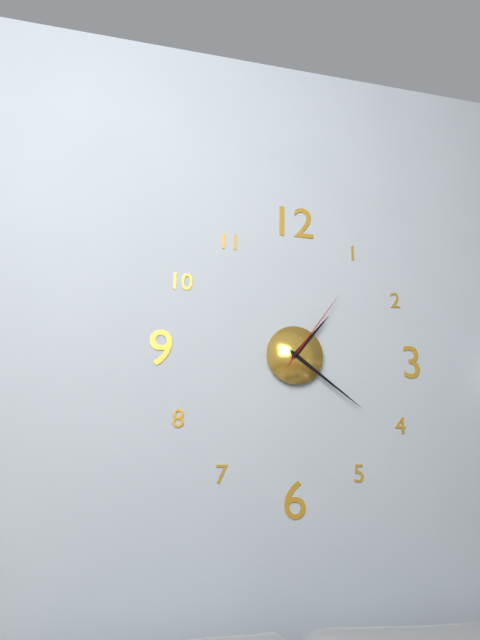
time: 1:21:06
